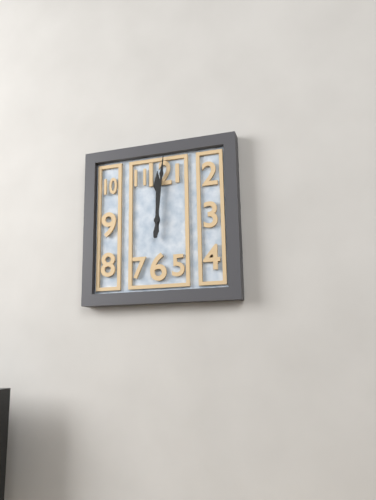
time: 12:01
